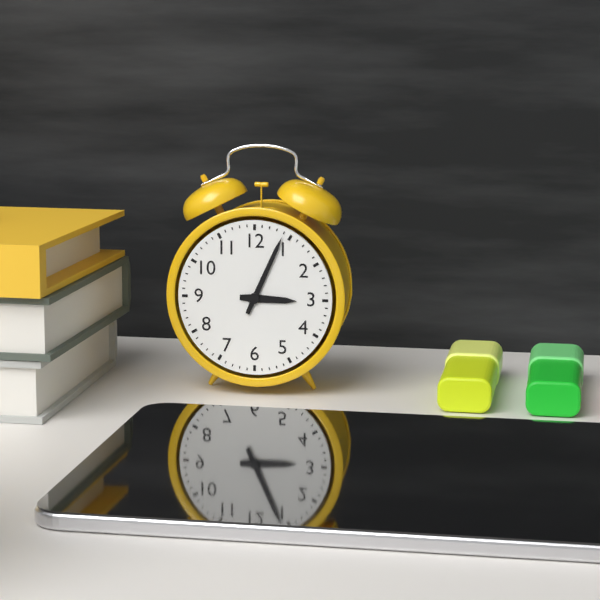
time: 3:04
